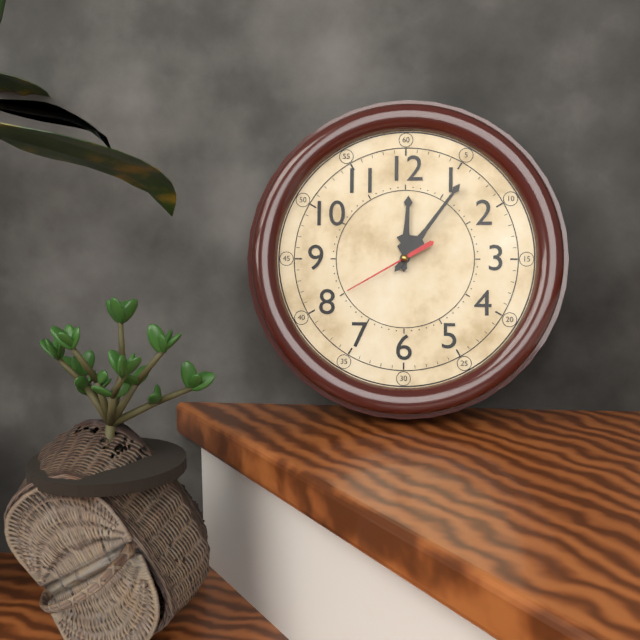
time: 12:06:40
